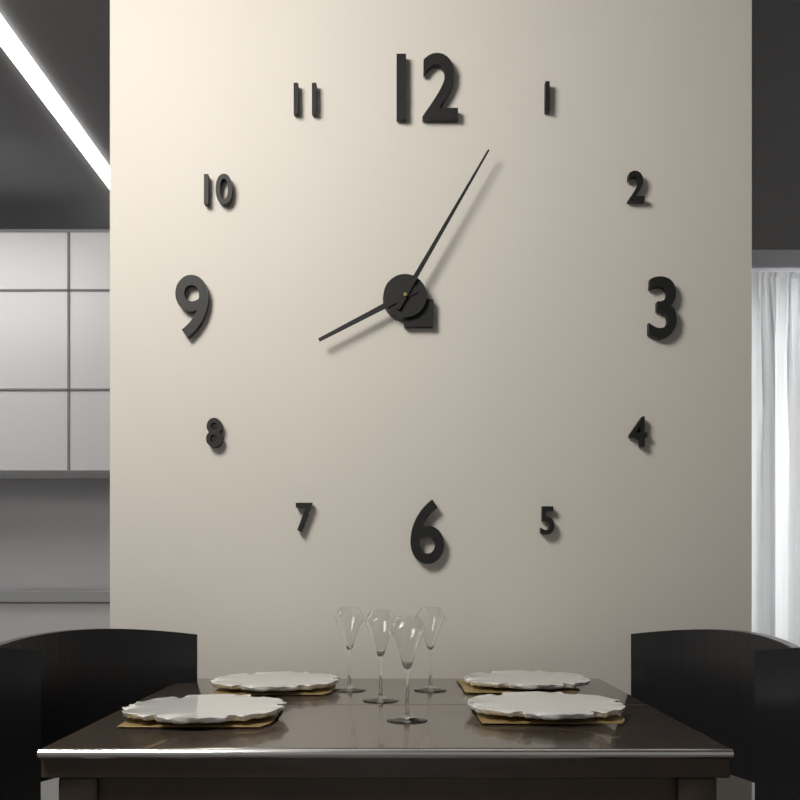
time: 8:05
